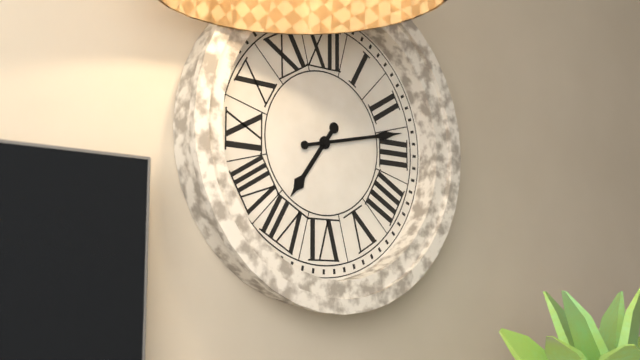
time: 7:13
